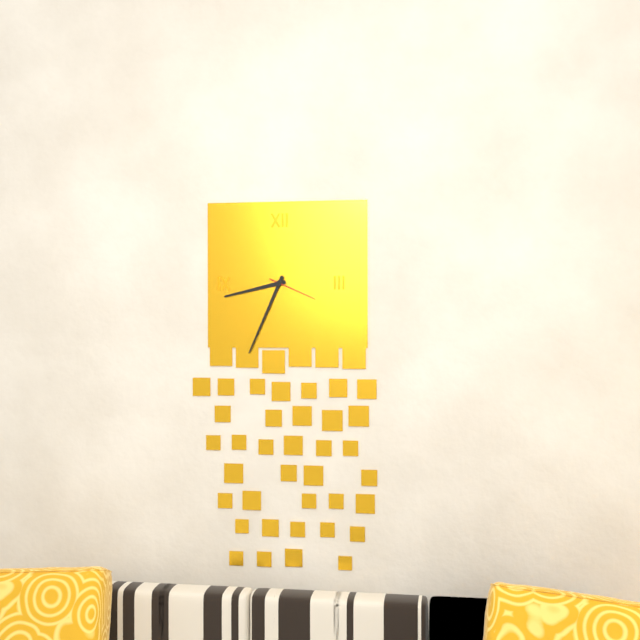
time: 8:34
